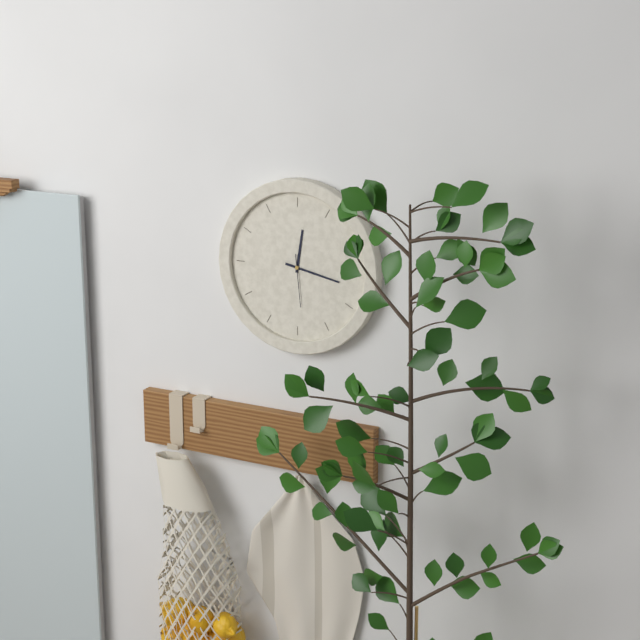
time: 12:17
